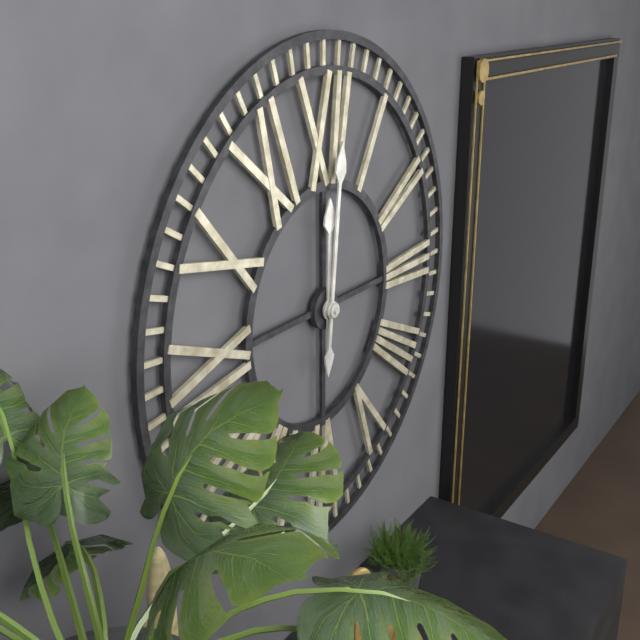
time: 12:01
